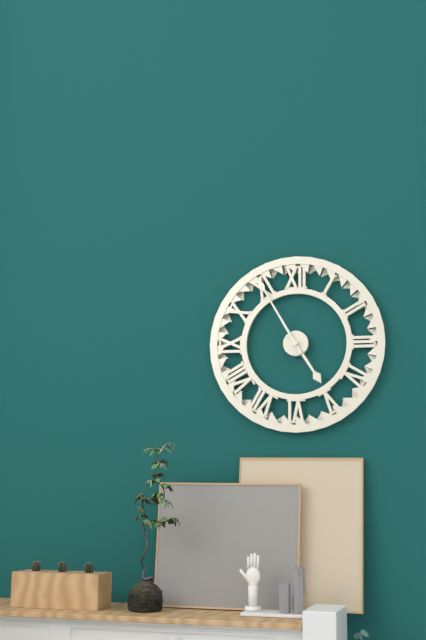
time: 4:55
